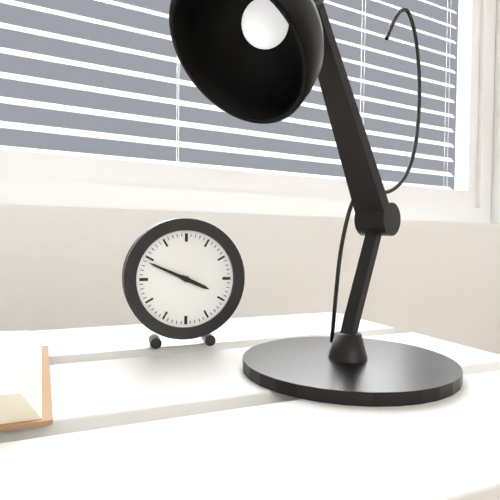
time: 3:49
